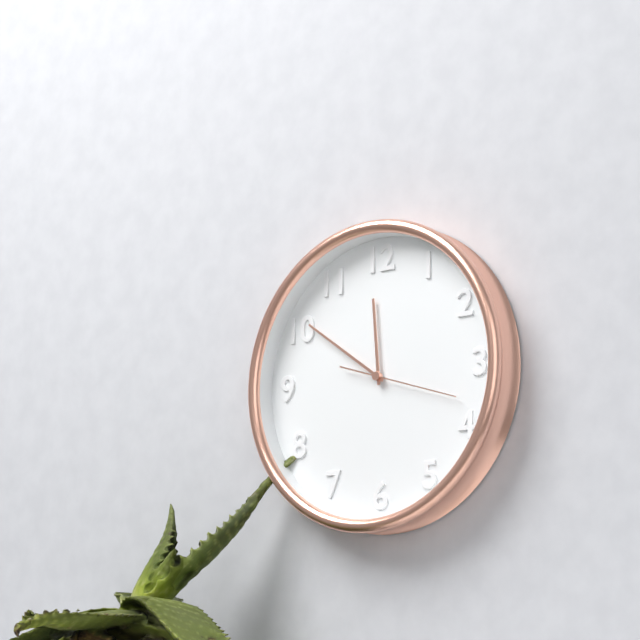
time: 11:51:18
